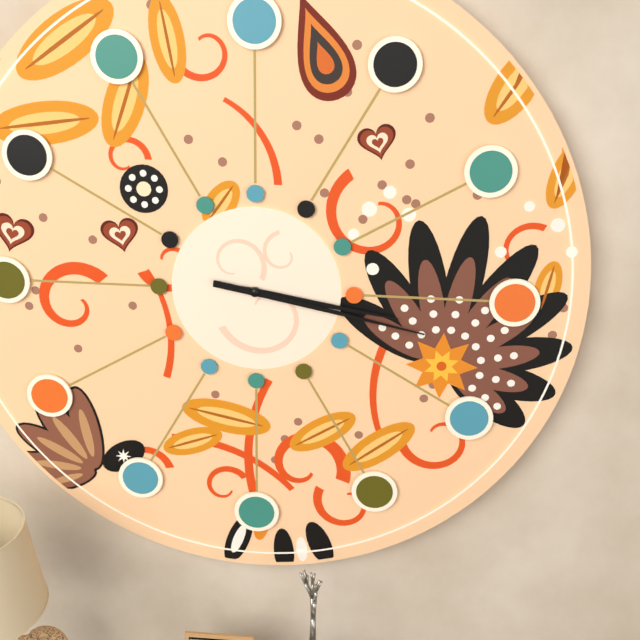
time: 3:17
